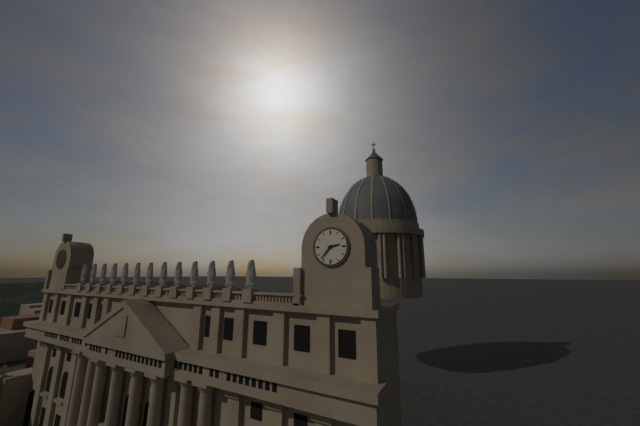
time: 2:37
